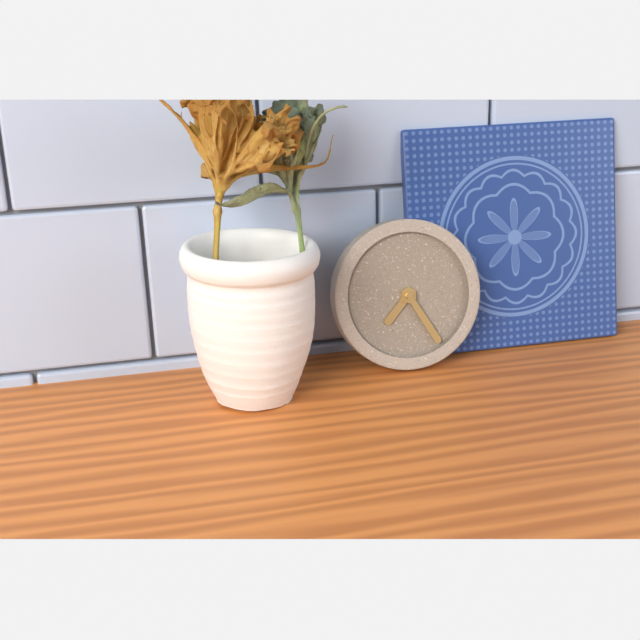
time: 7:25
